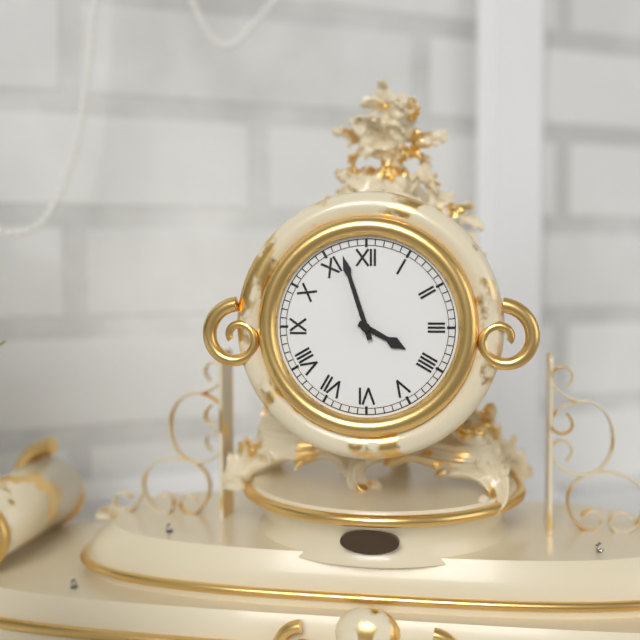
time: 3:57
